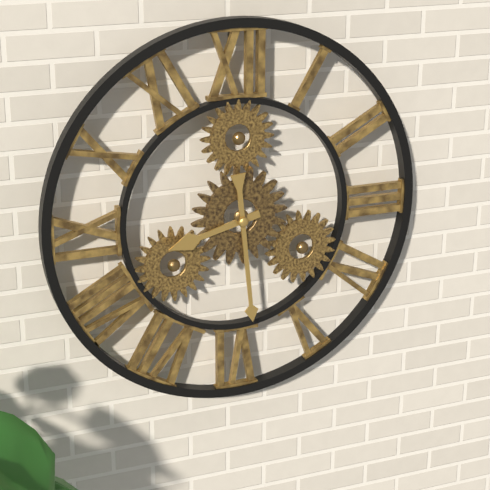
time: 8:29
